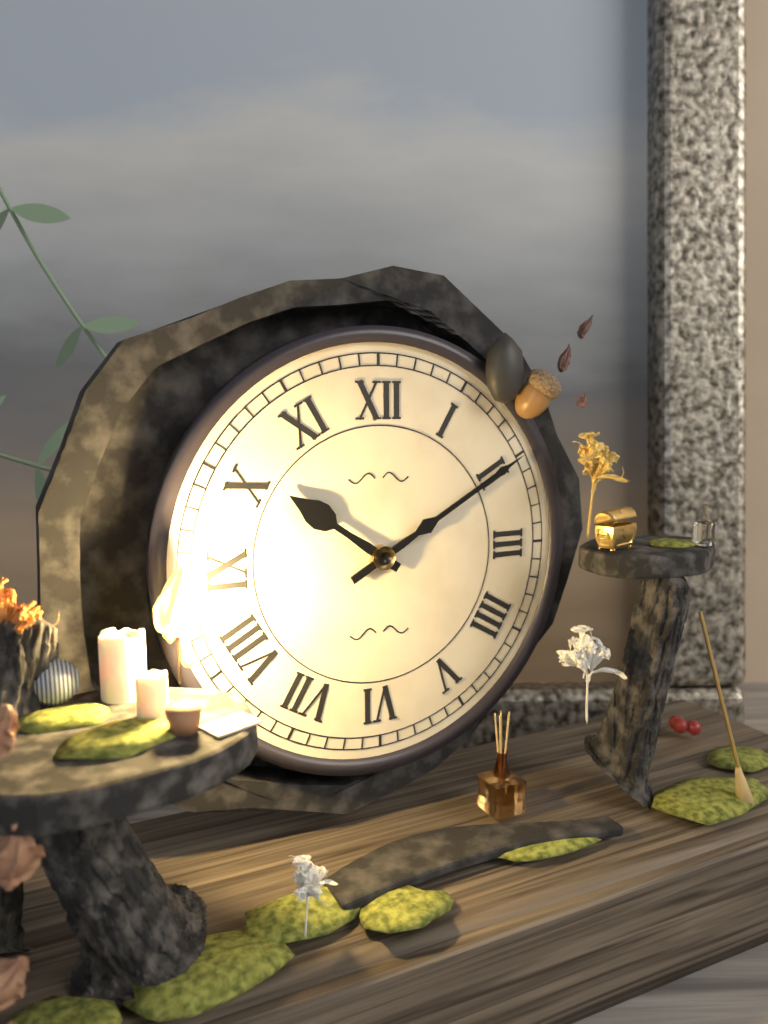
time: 10:10
